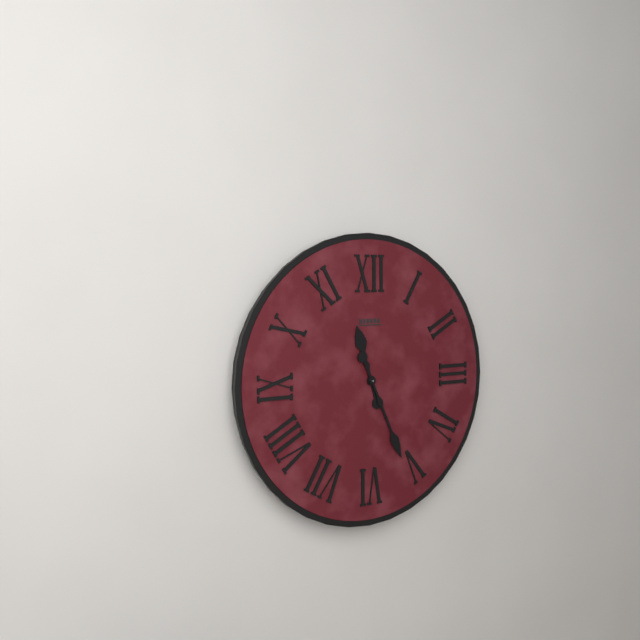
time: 11:26
